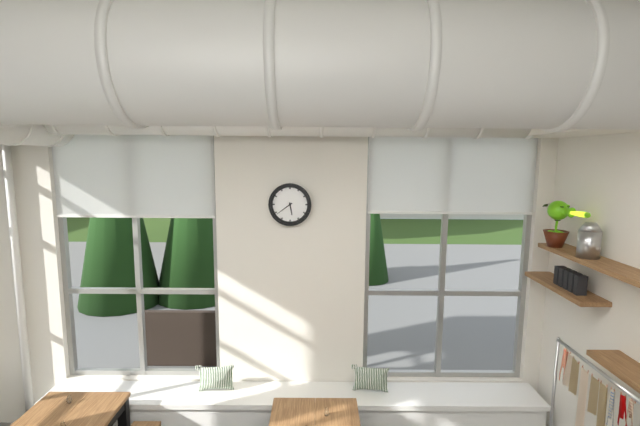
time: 5:39
